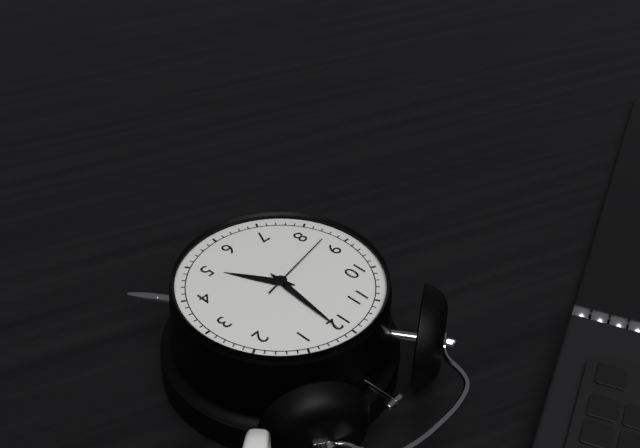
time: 5:01:43
